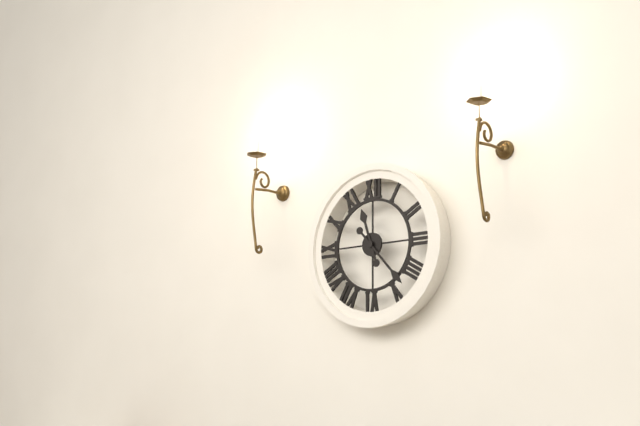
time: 11:23
